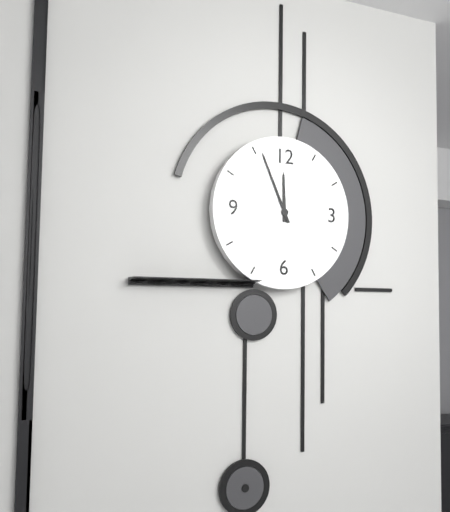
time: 11:56
